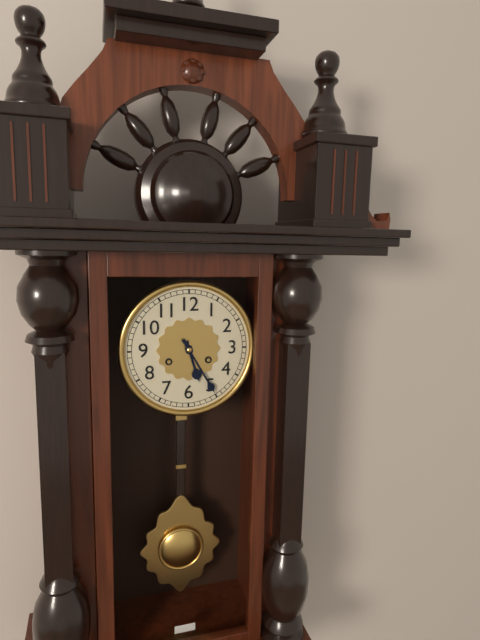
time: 5:25
